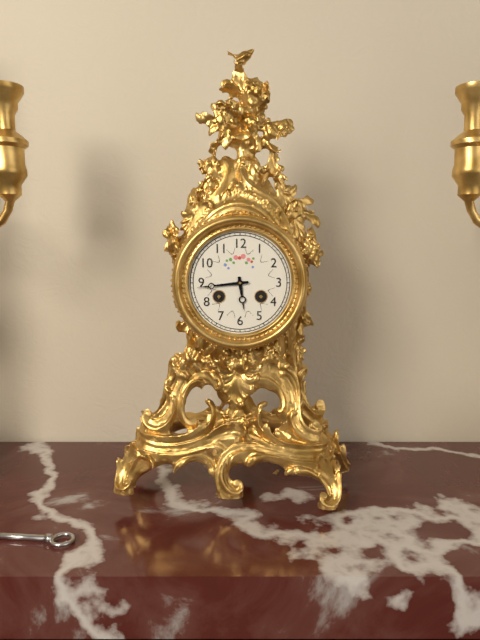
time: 5:44
